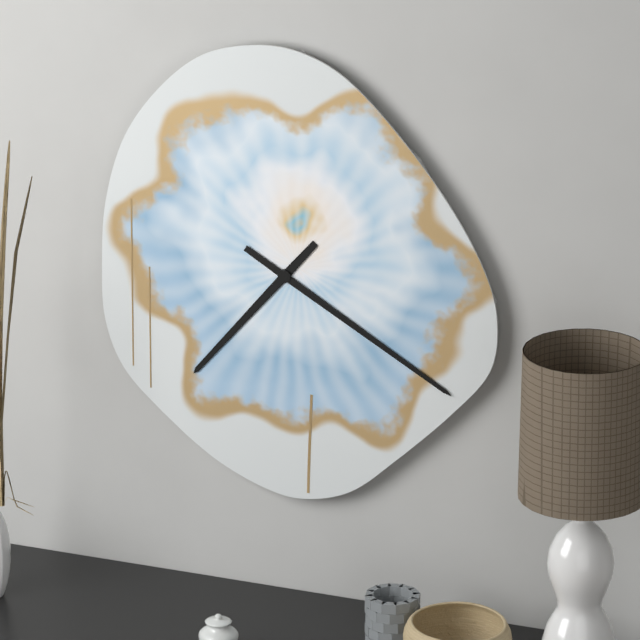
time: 7:20
